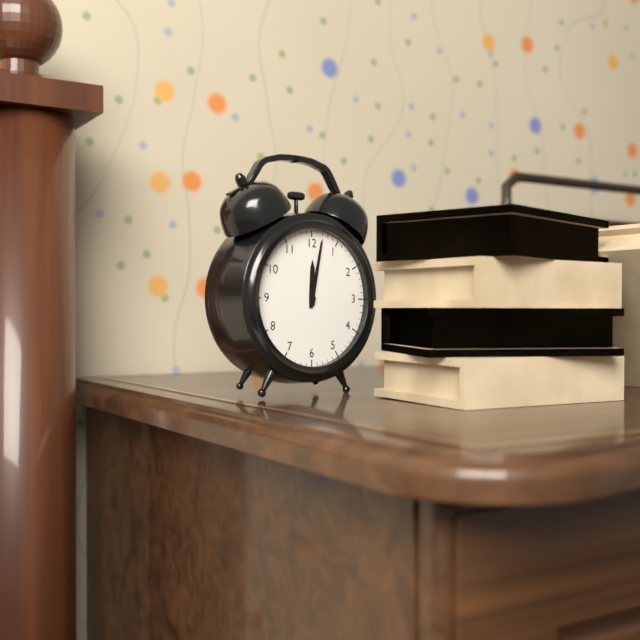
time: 12:02
